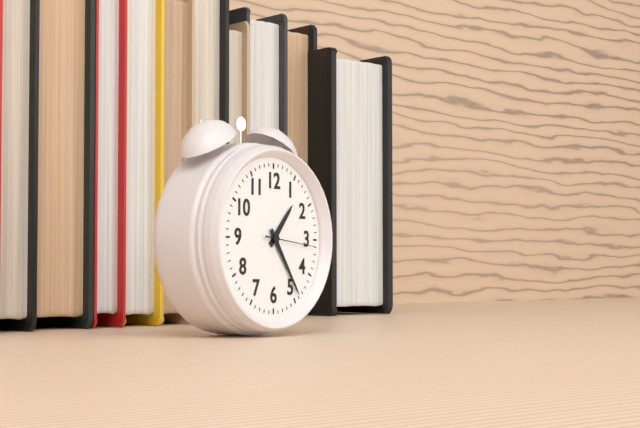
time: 1:24:16
